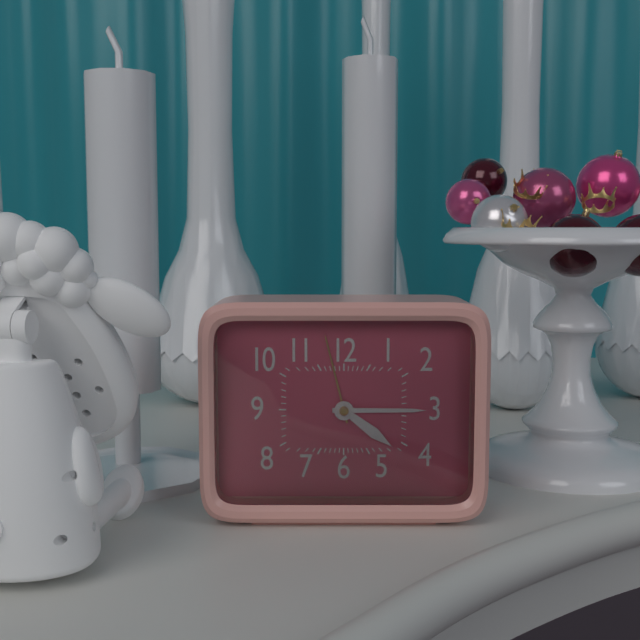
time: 4:15
